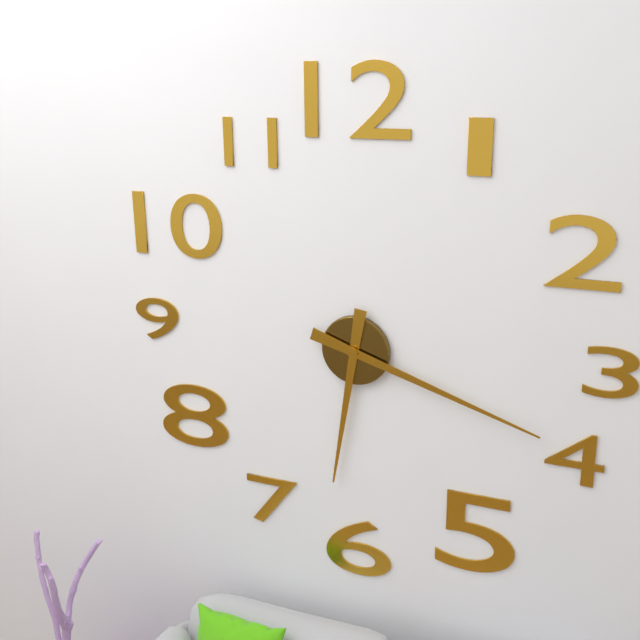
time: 6:18
